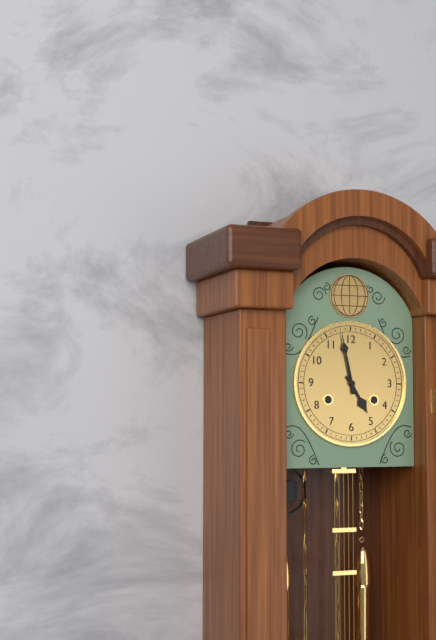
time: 4:58
